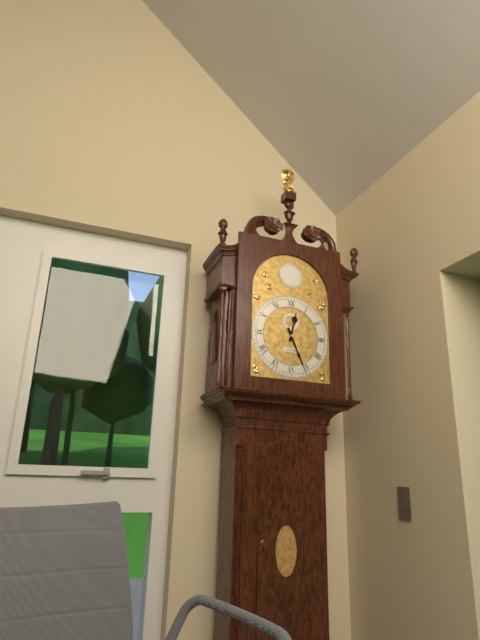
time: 12:26
